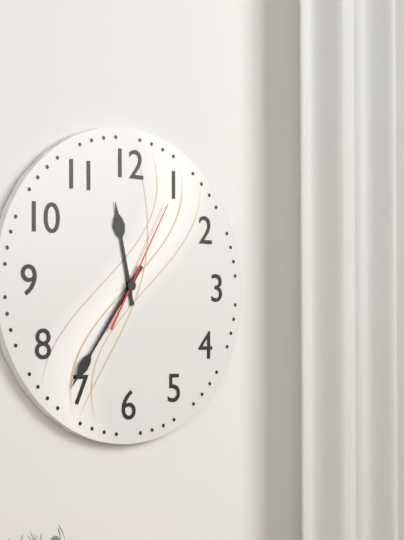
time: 11:36:05
